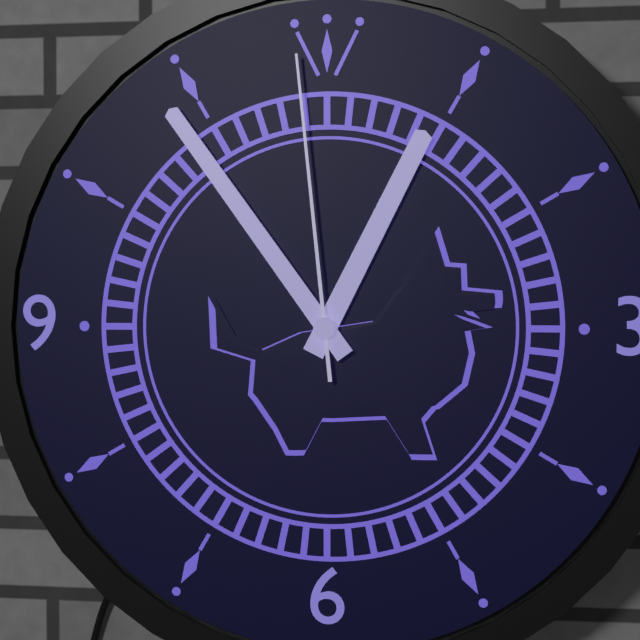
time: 12:54:59
